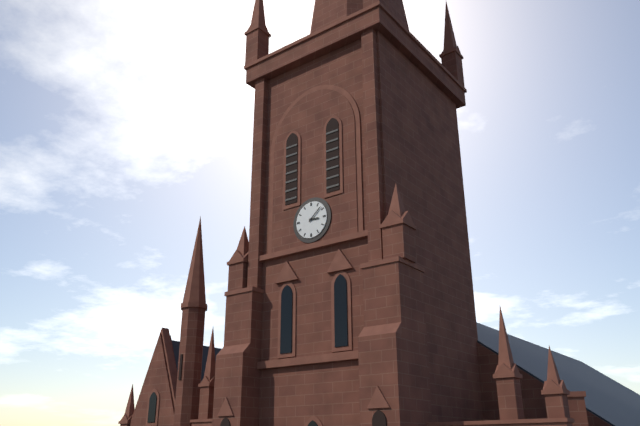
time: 3:08
